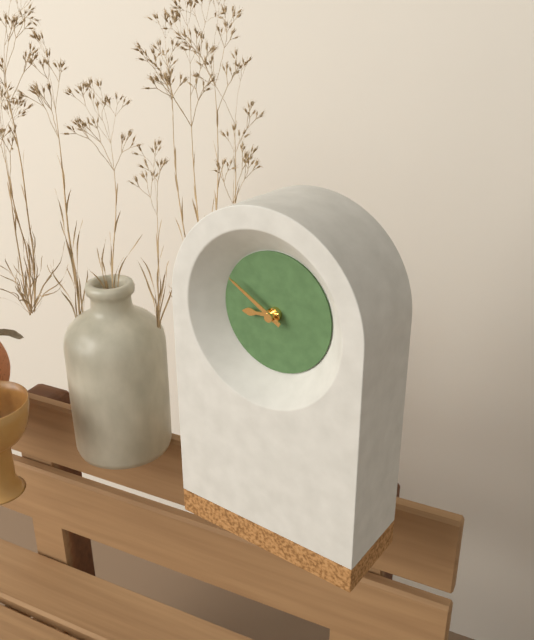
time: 8:50
